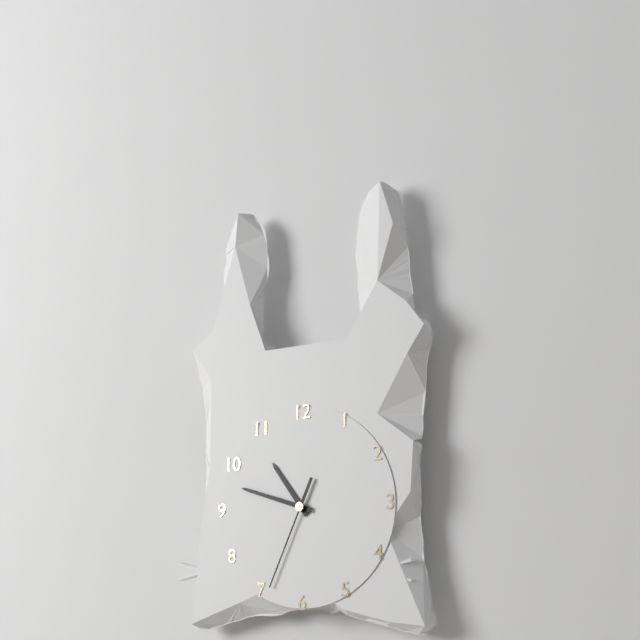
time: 10:48:34
